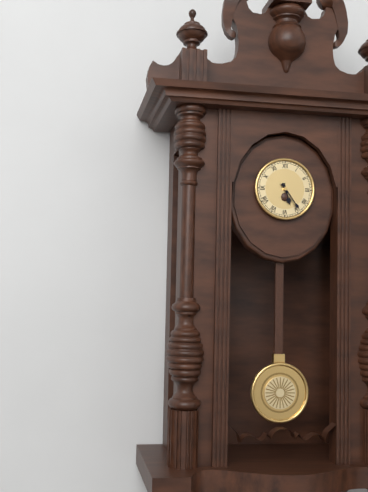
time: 5:24
